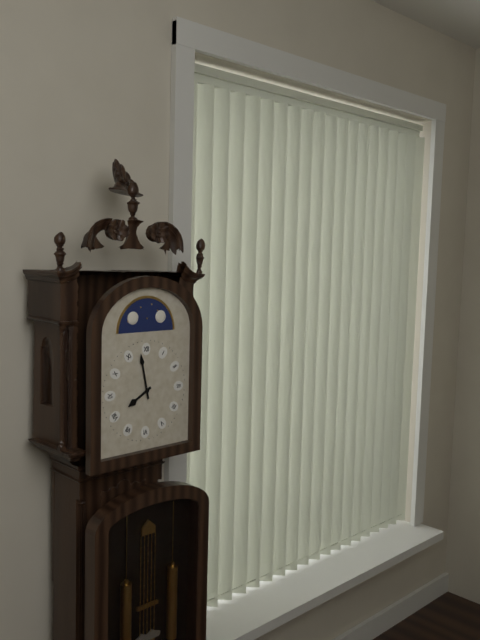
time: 7:58
